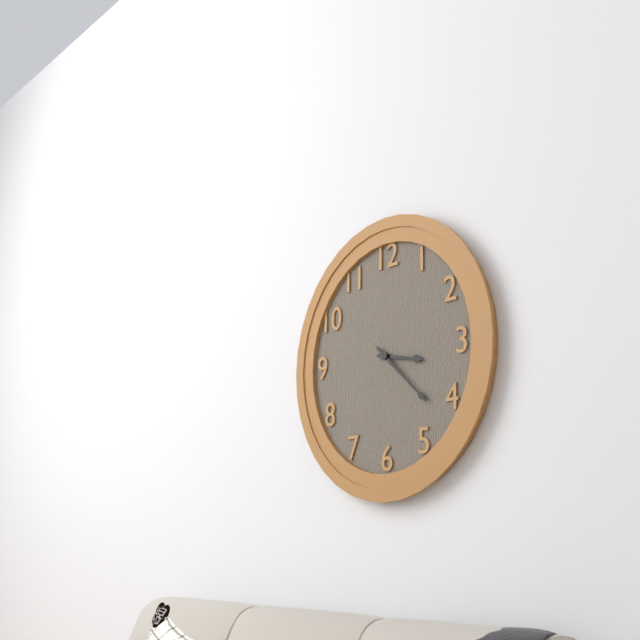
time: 3:22
